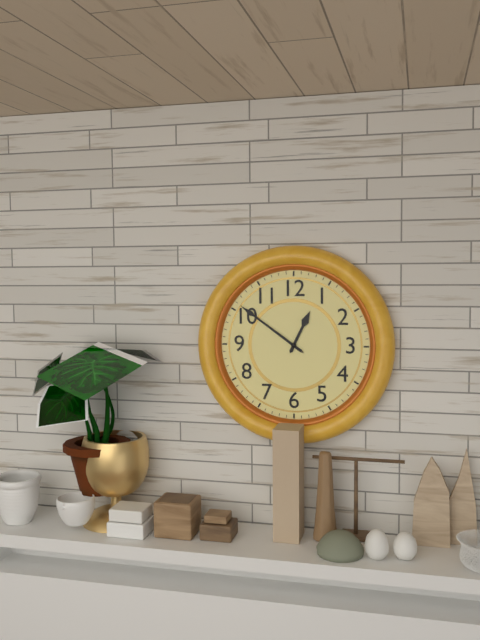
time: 12:51
